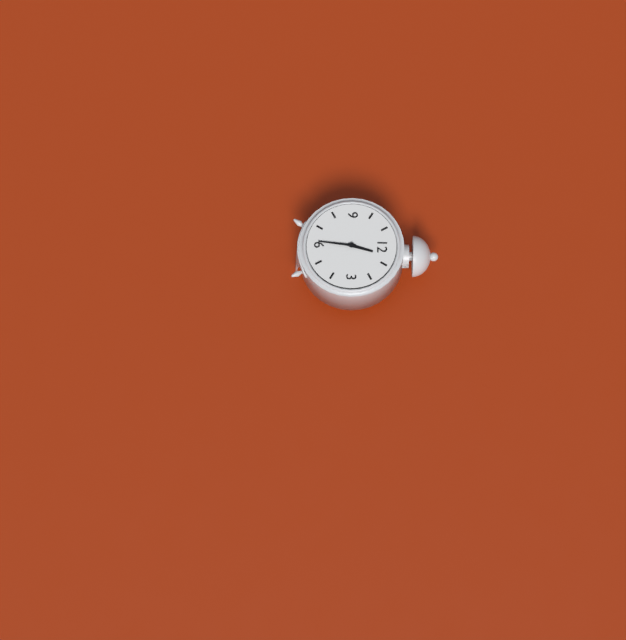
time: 12:31
